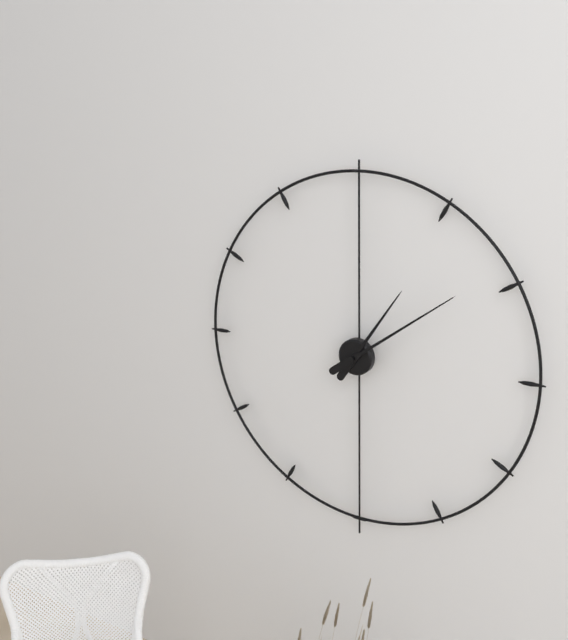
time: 1:09
